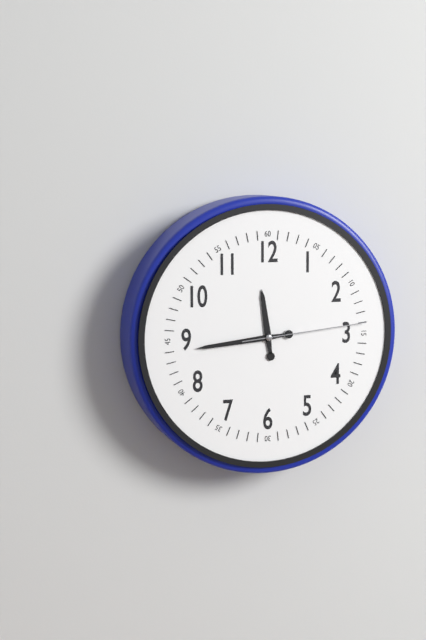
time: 11:44:14
